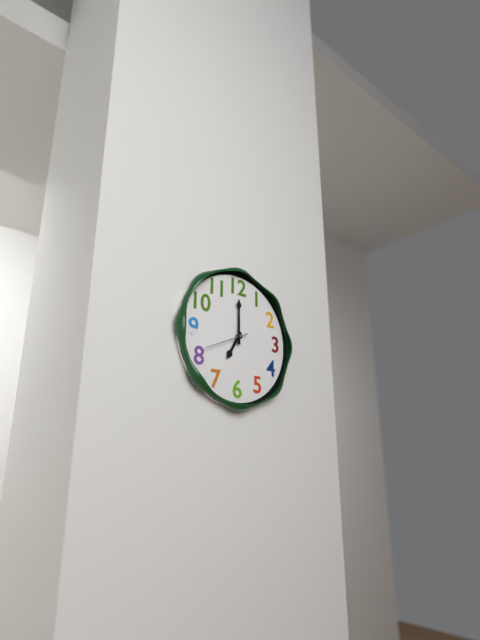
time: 7:00
